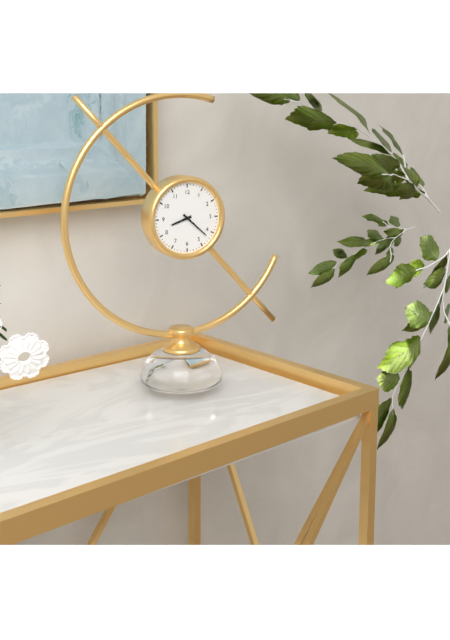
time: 8:22
